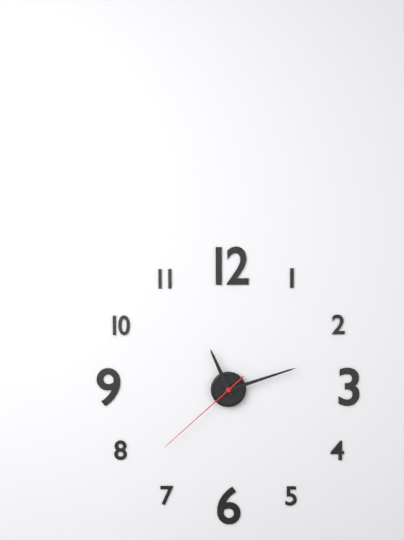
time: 11:12:38
